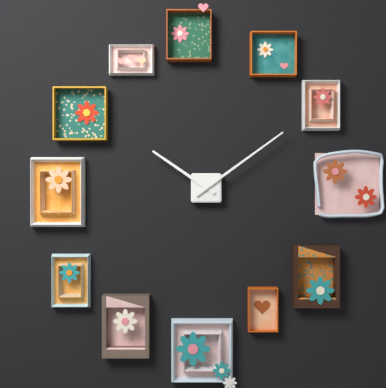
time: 10:09
